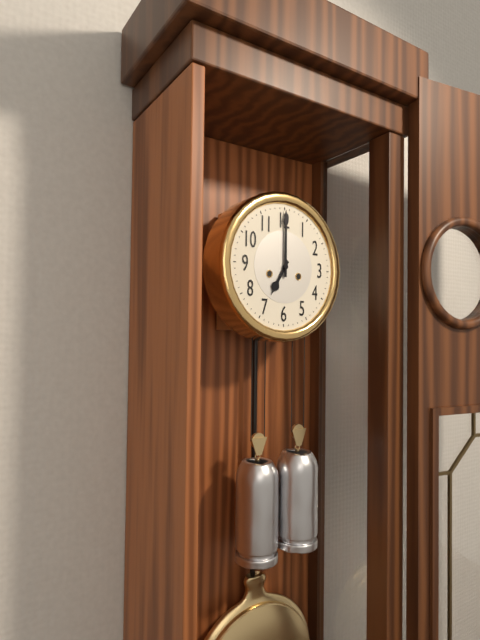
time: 7:00
